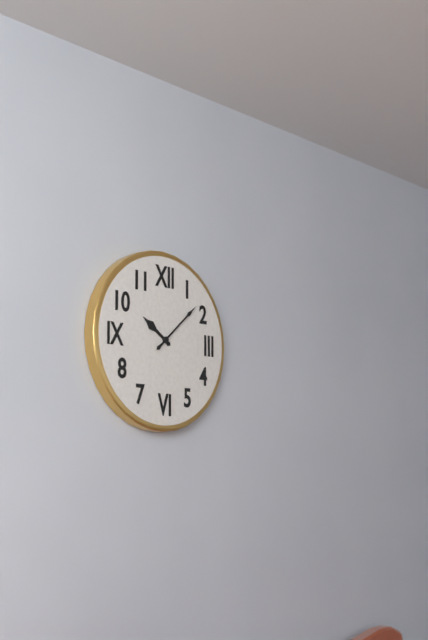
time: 10:08
